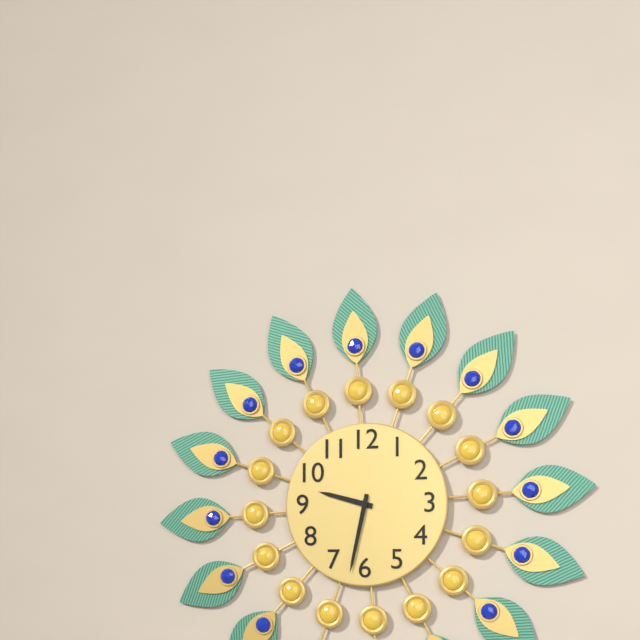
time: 9:32
